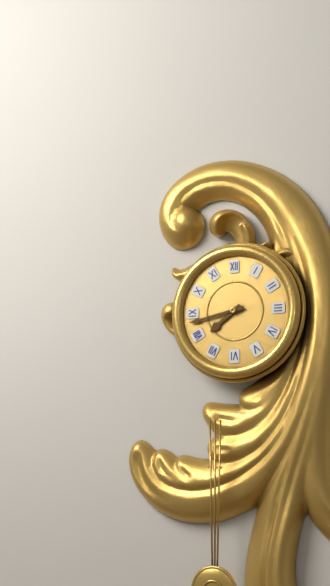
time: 7:43
